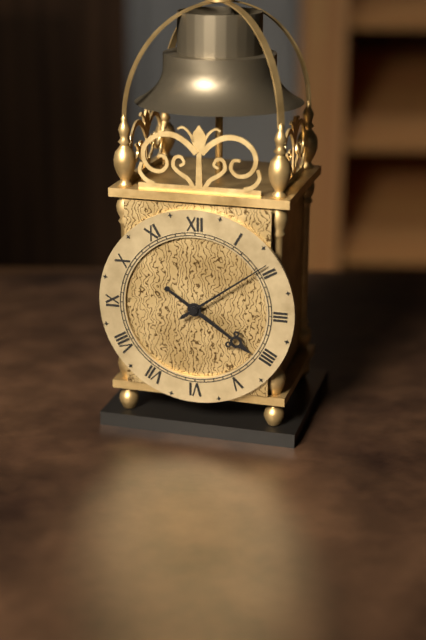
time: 4:09
